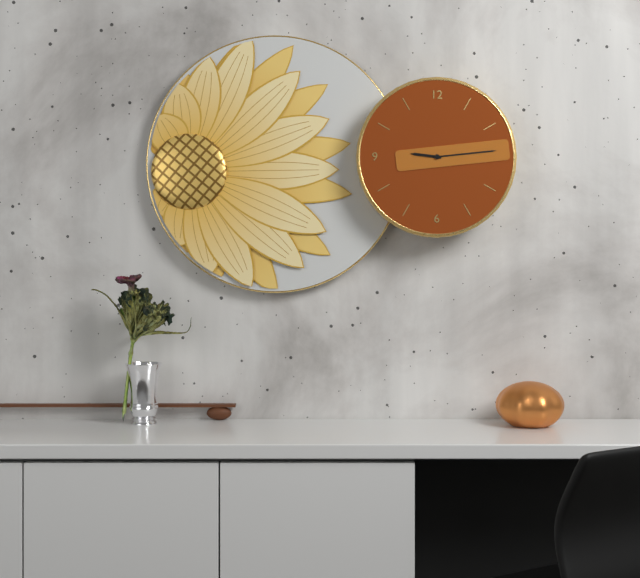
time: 9:14
